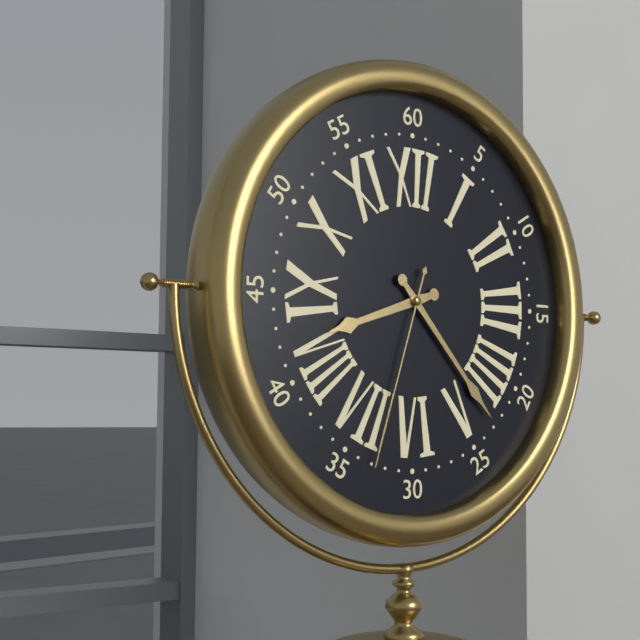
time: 8:23:33
